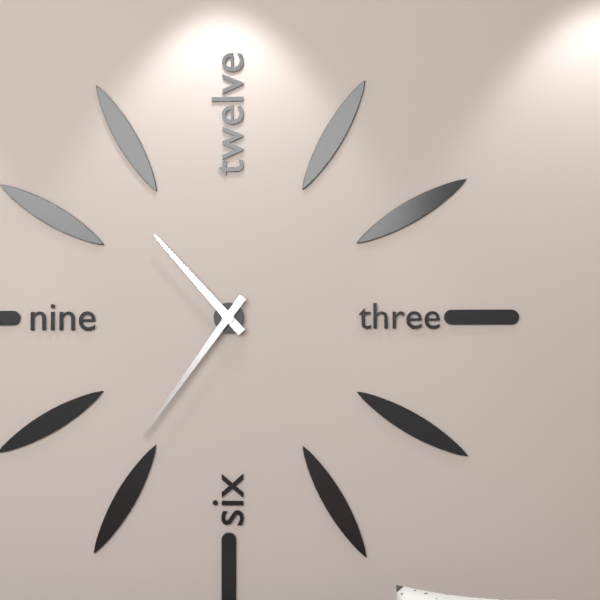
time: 10:36
